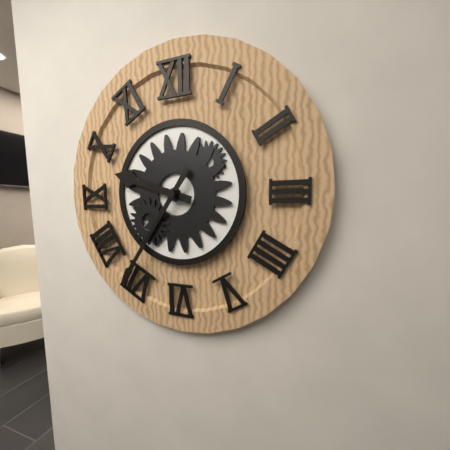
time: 9:36
